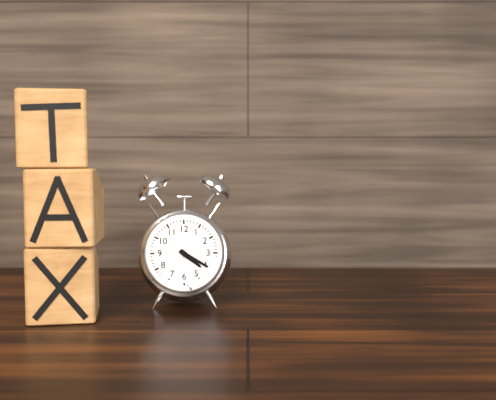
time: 4:20
